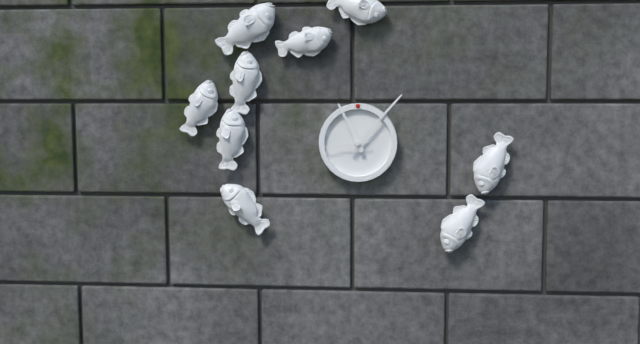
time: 11:07
